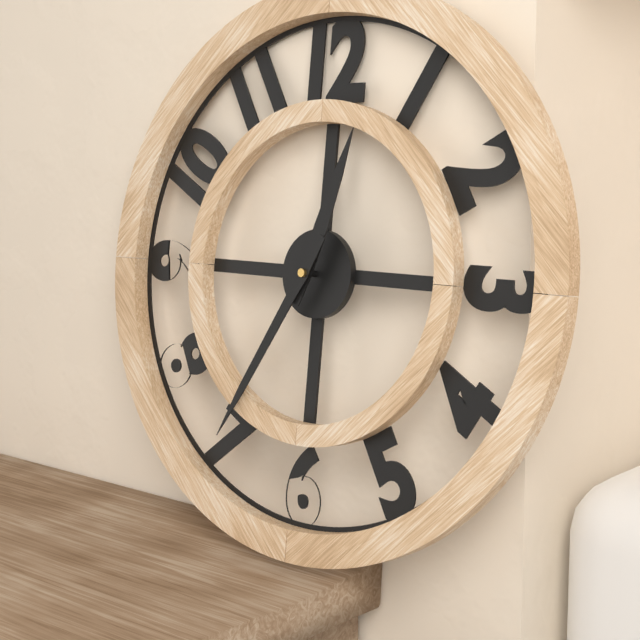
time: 12:35
